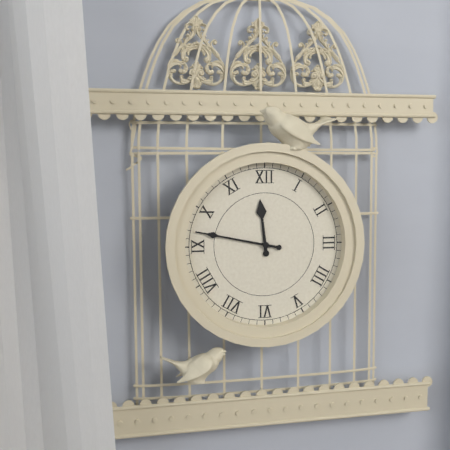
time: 11:47
